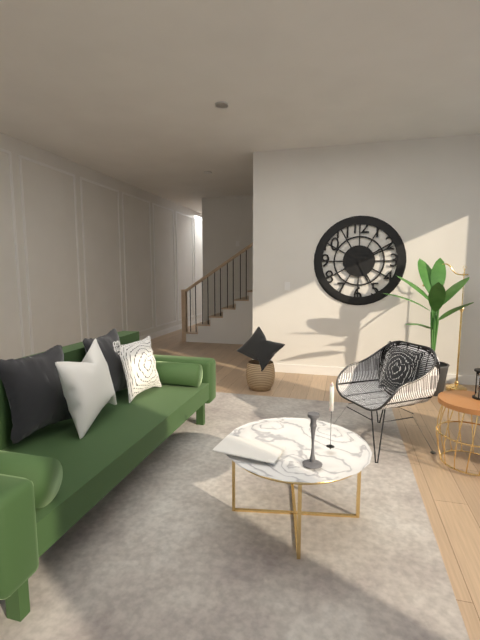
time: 5:11
